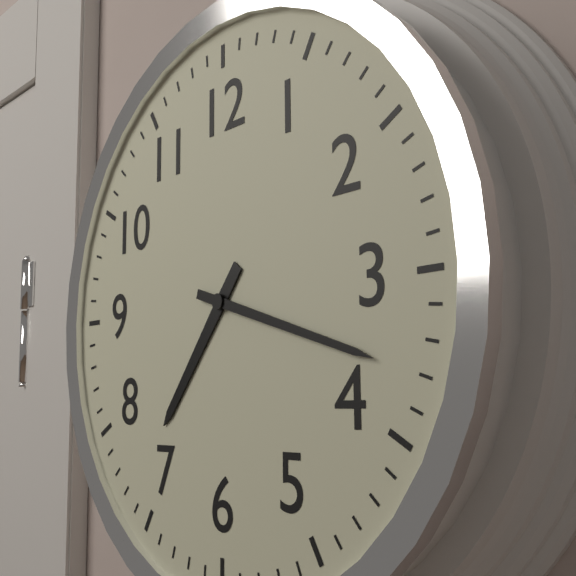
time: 7:18
